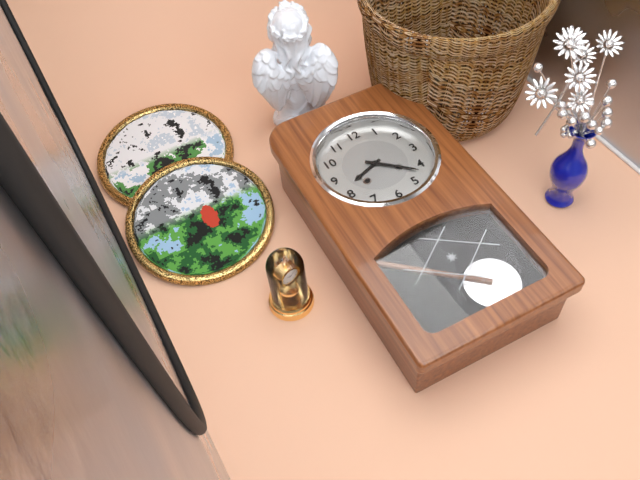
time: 8:22
